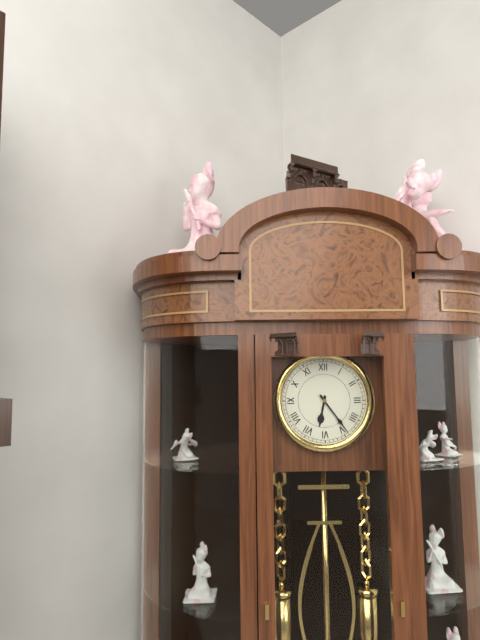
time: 6:24
